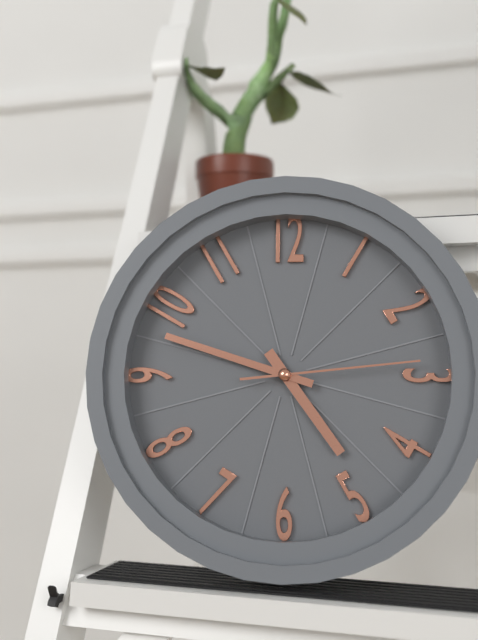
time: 4:48:14
